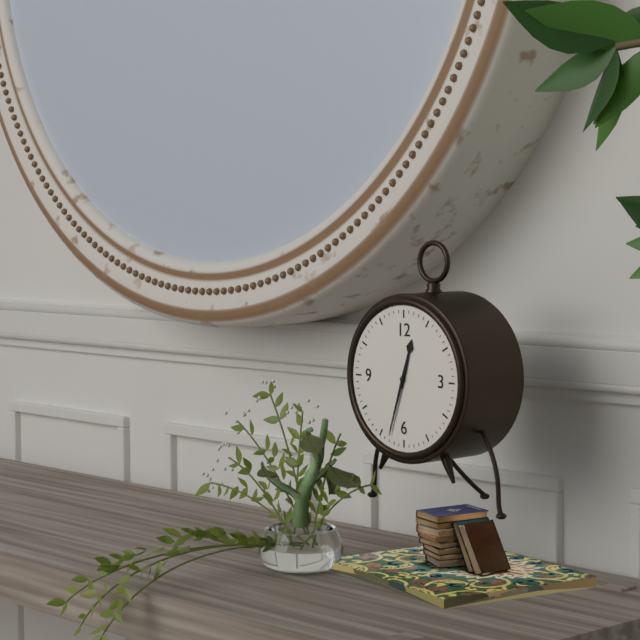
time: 12:33
